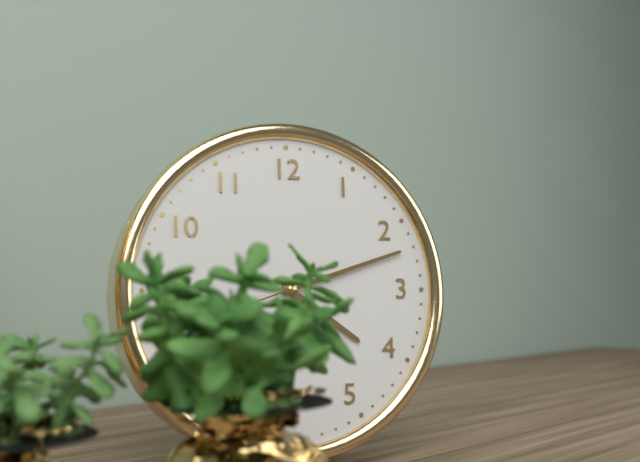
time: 4:12
